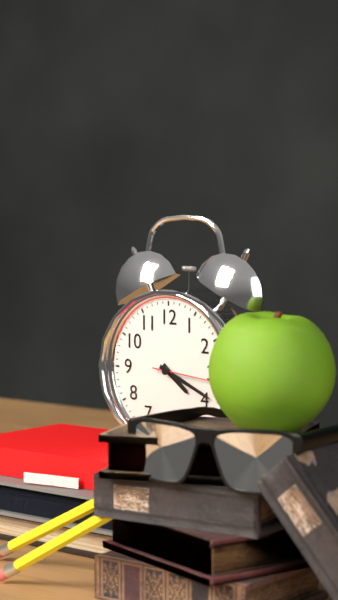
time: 4:19:16
